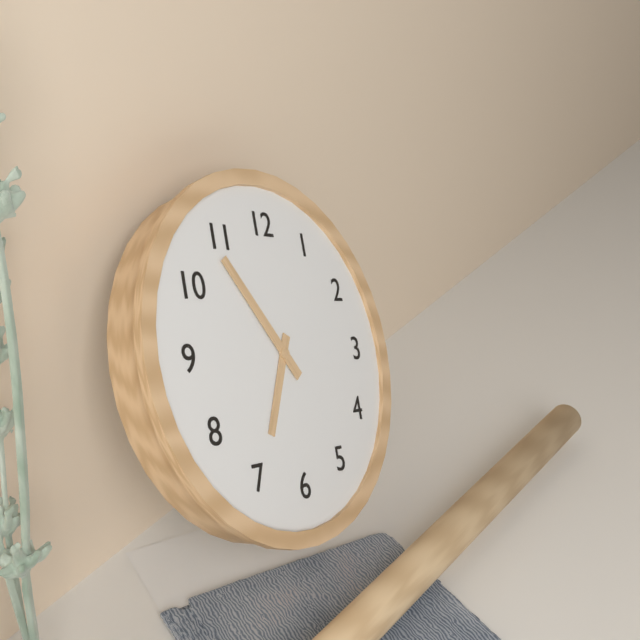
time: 6:54
